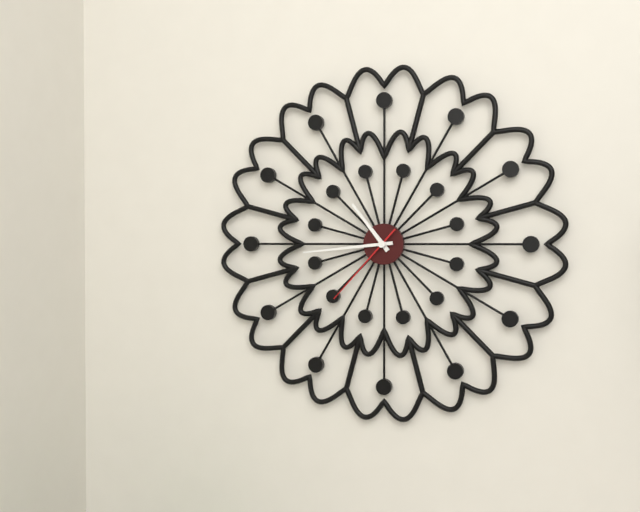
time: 10:44:37
